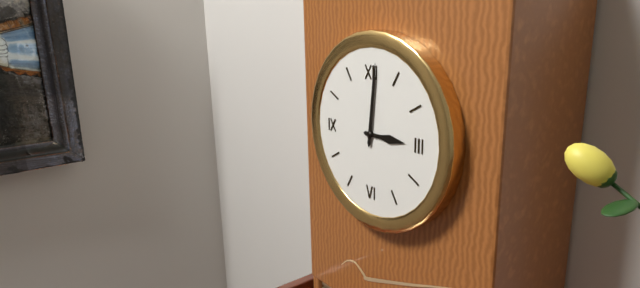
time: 3:01
